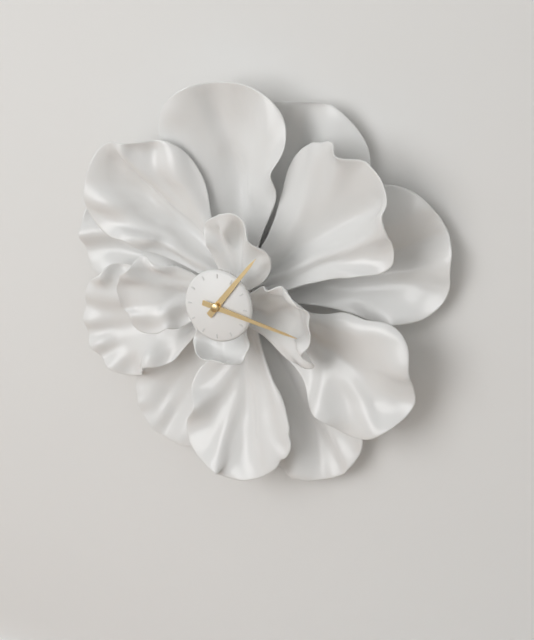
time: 1:17
